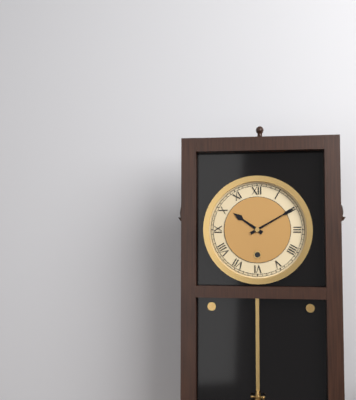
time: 10:10
